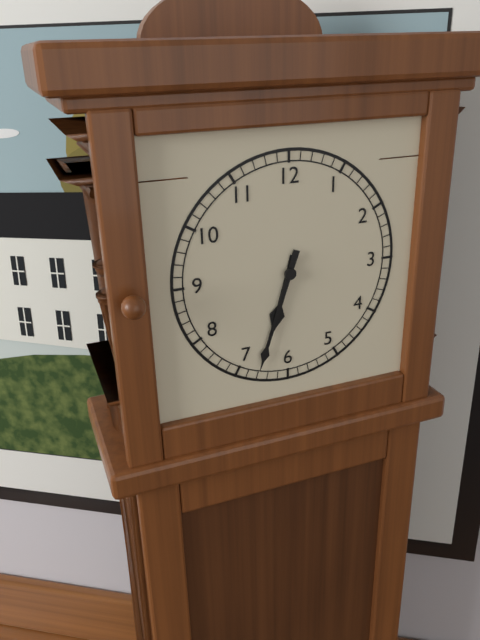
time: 6:33
